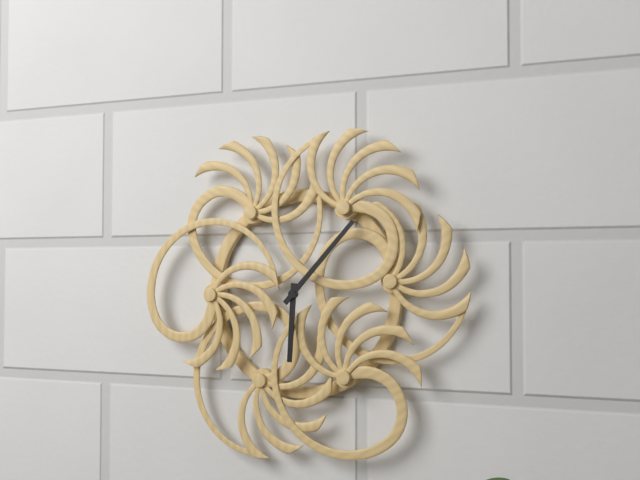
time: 6:07
